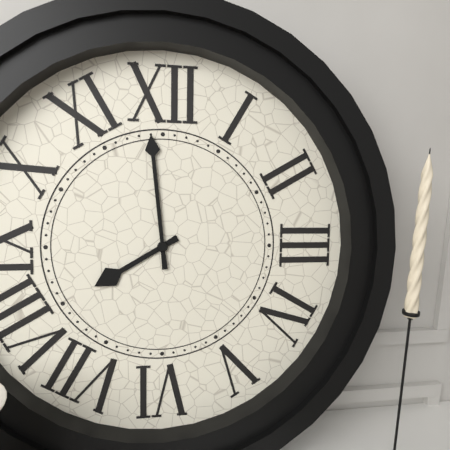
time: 7:59
